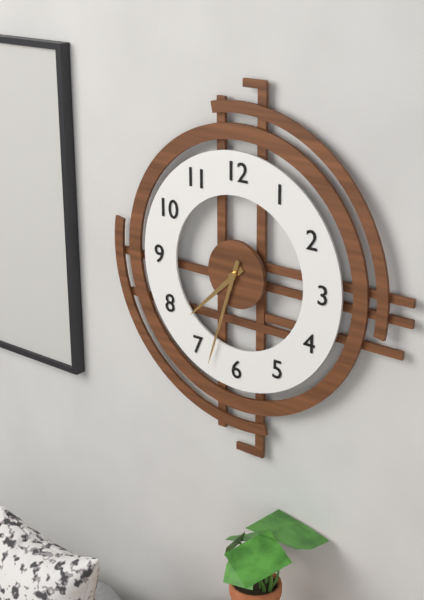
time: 7:33
